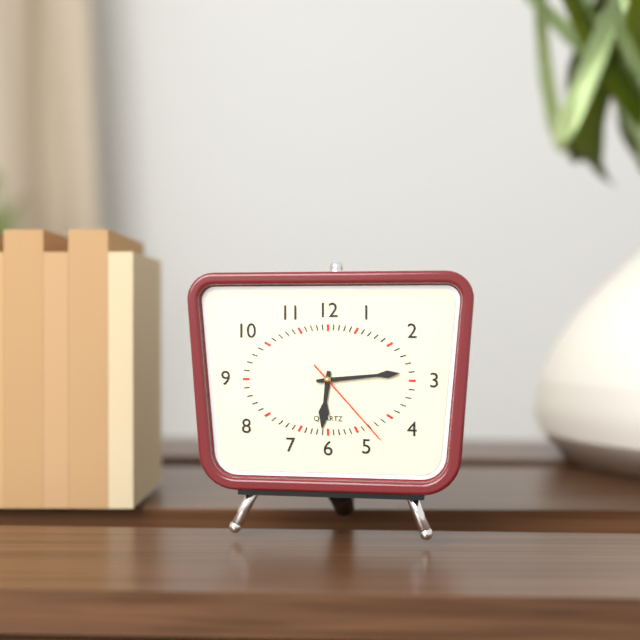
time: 6:14:23
